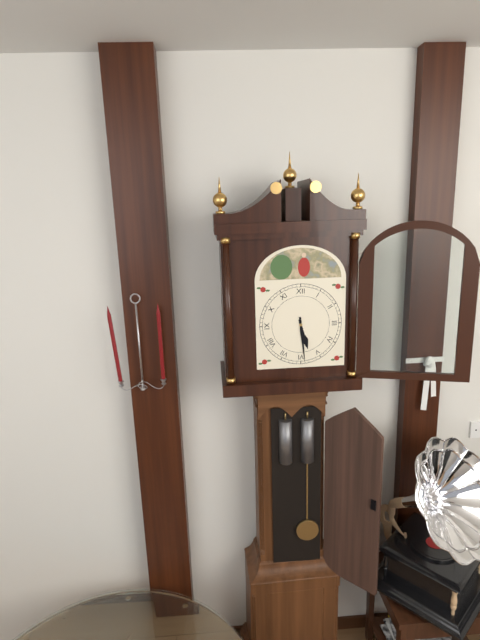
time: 5:29
